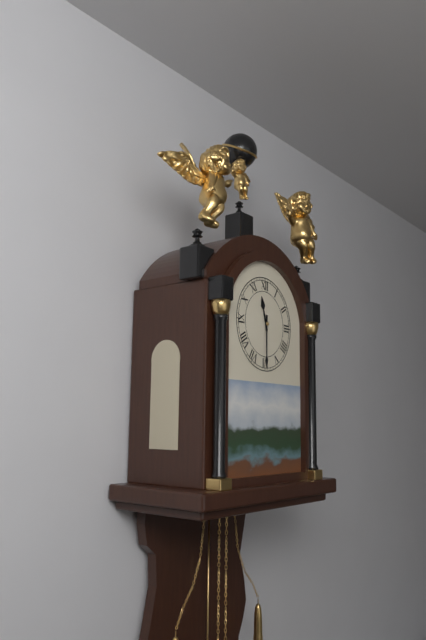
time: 11:30
